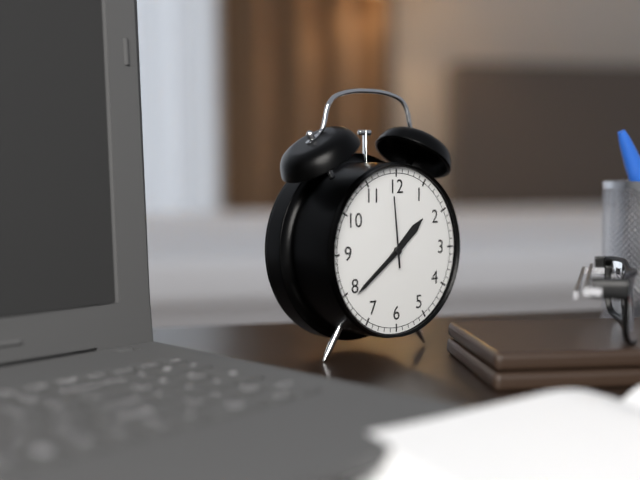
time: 1:39:59
